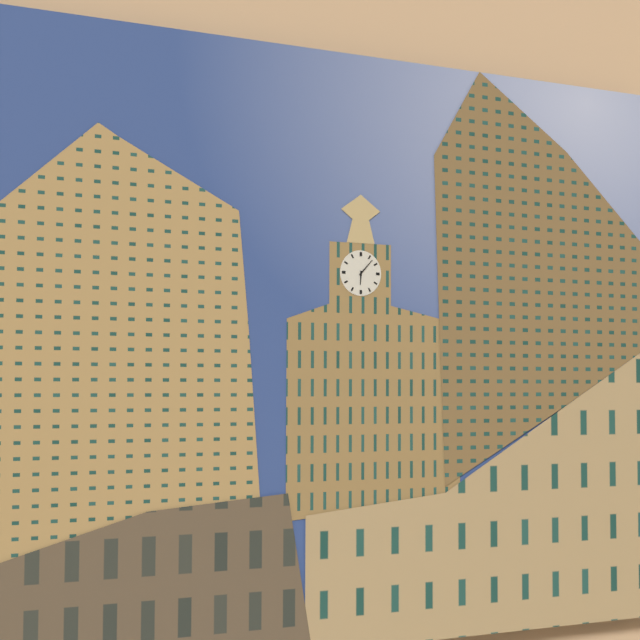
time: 6:07
